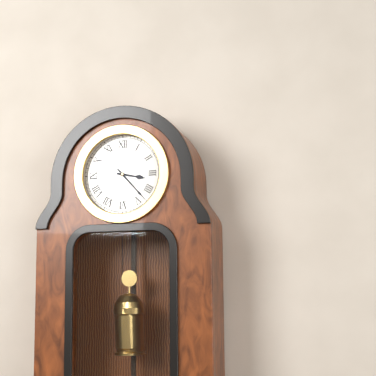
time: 3:23
